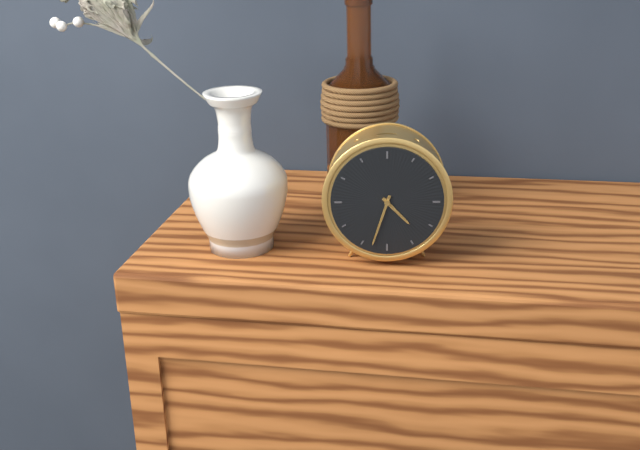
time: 4:33
